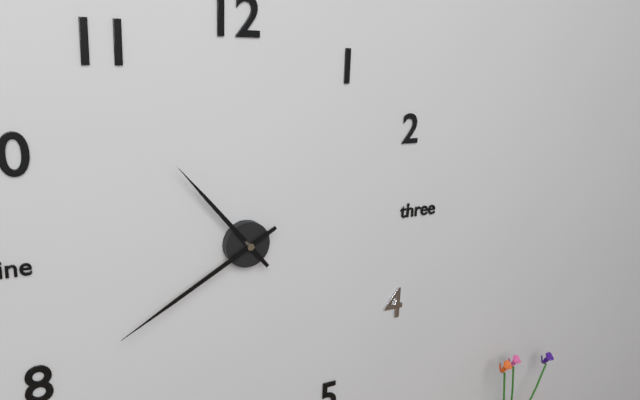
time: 10:40
